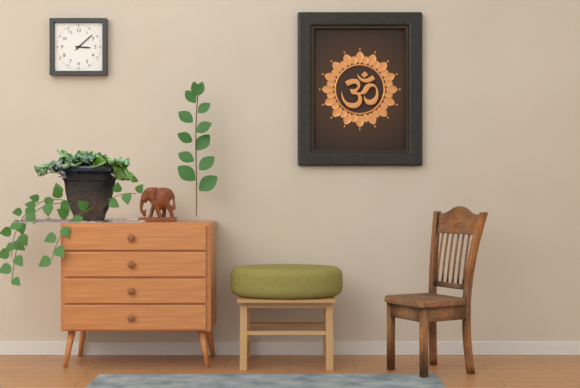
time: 3:08
